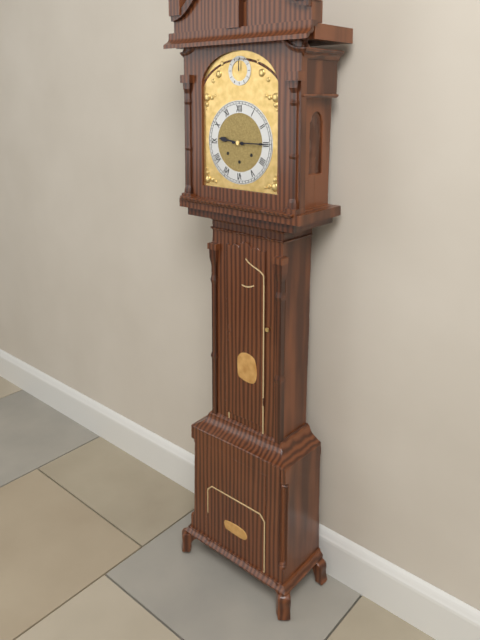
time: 9:15
